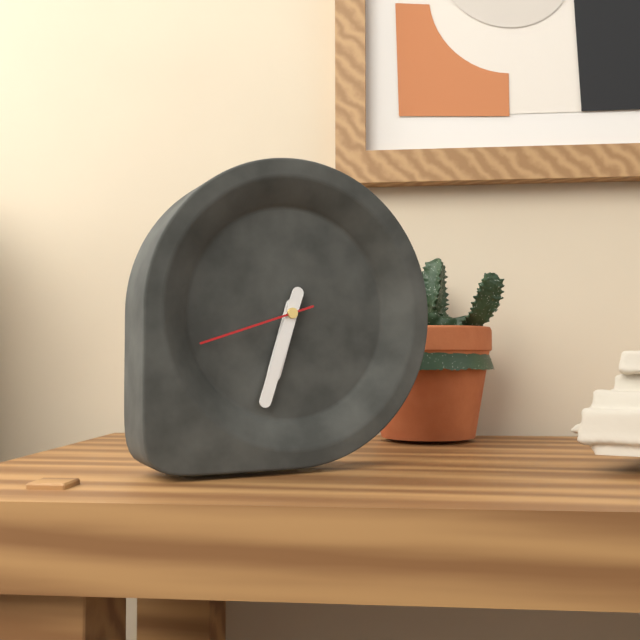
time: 6:33:42
